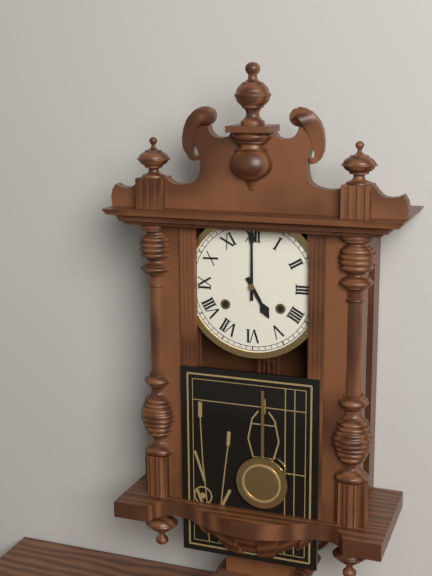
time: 5:00
